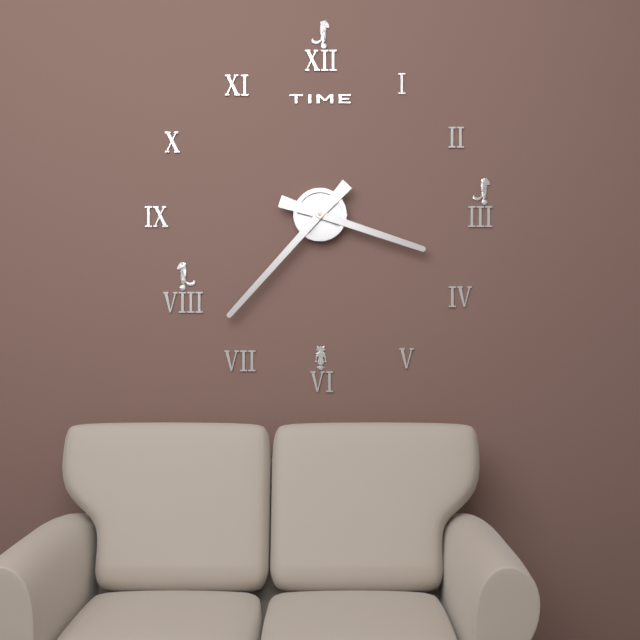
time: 3:37
